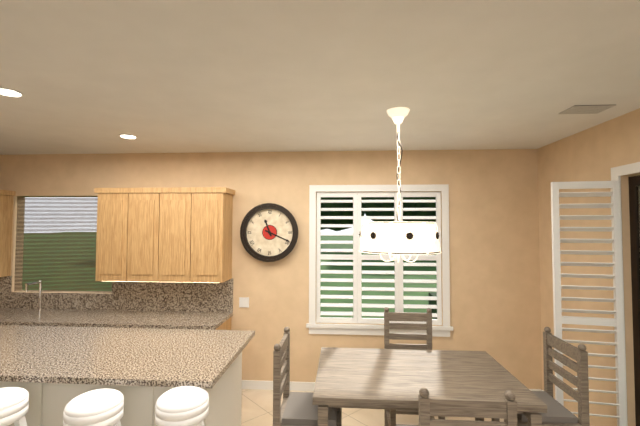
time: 11:19
